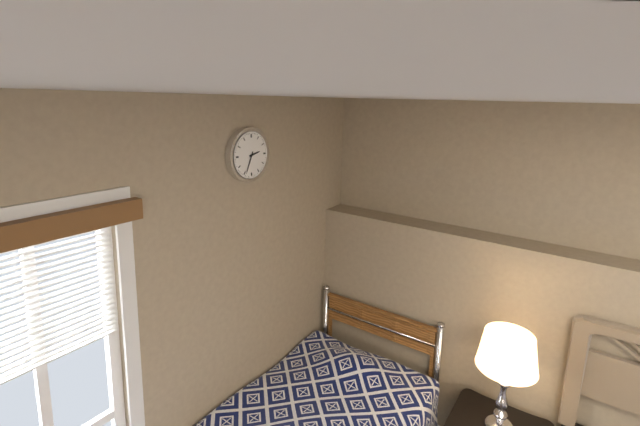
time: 2:34
